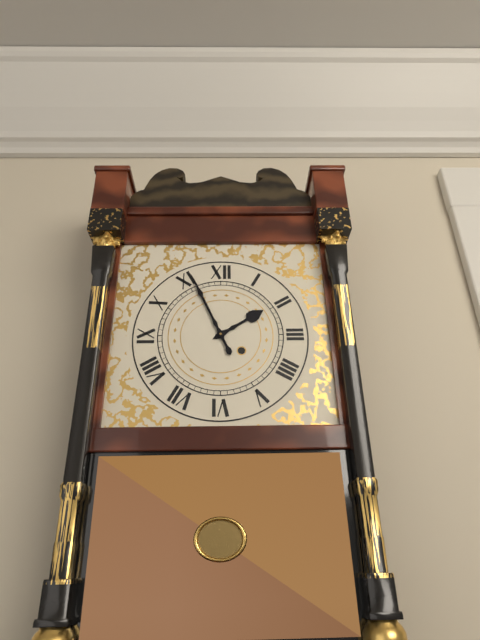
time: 1:56
